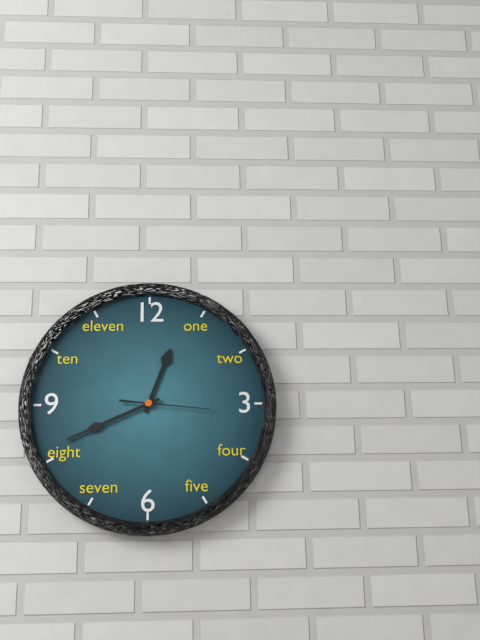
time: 12:41:16
